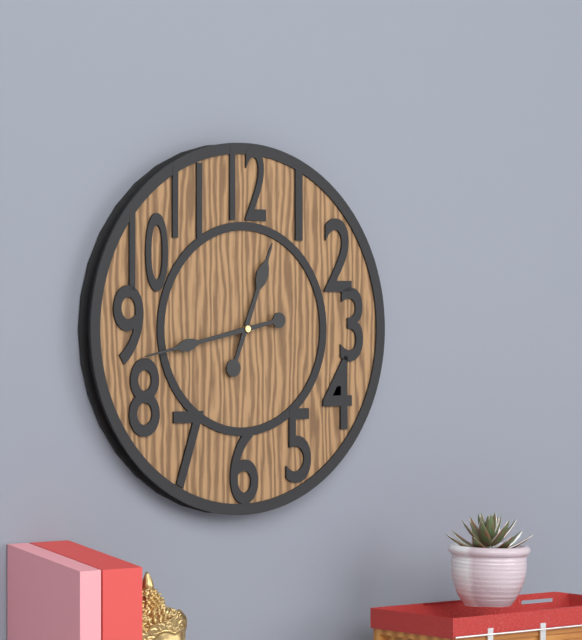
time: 12:43
